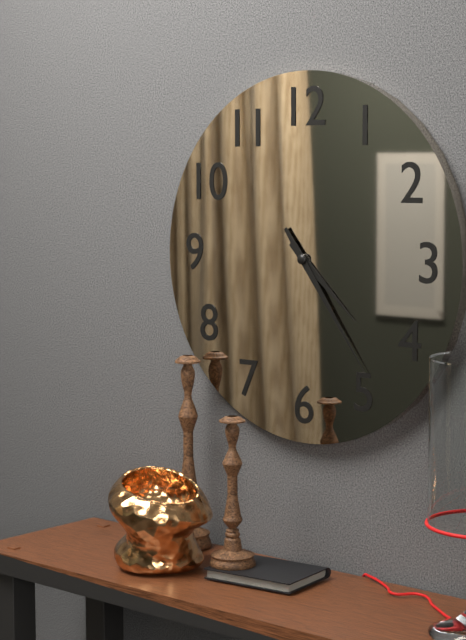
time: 4:24
